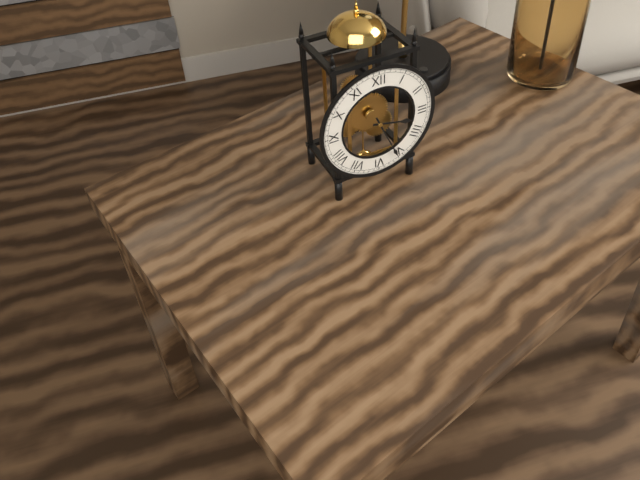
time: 3:26
